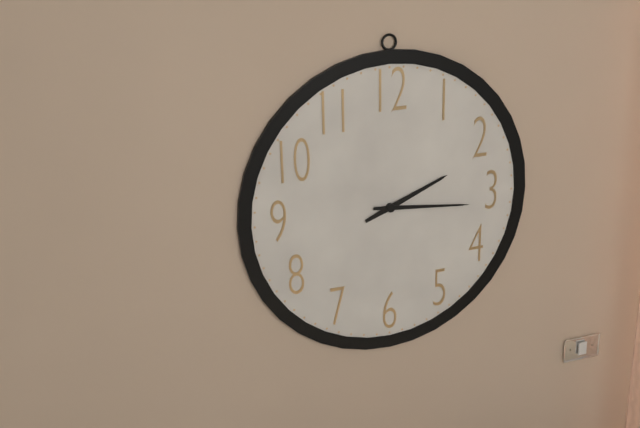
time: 2:16
